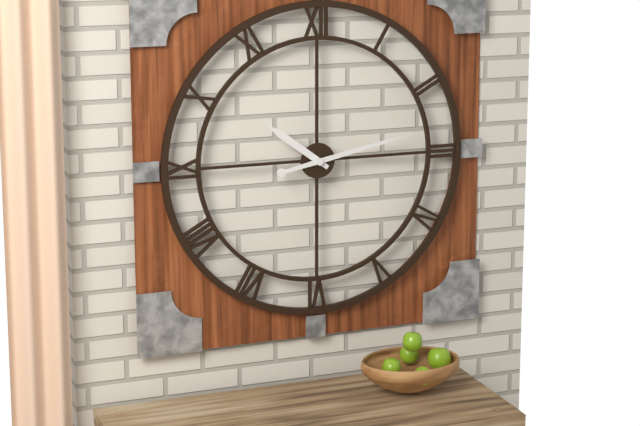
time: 10:13
